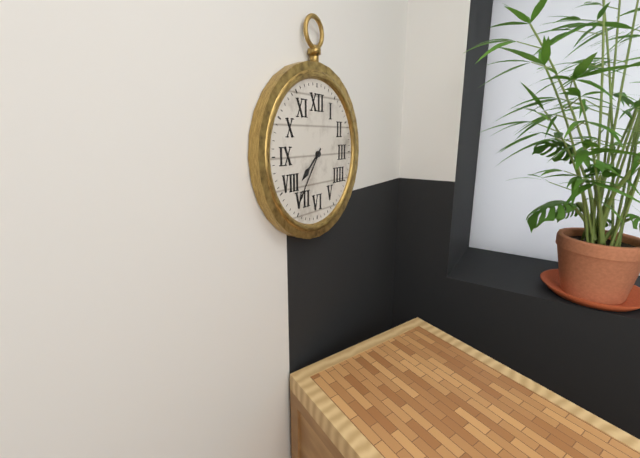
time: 7:36
